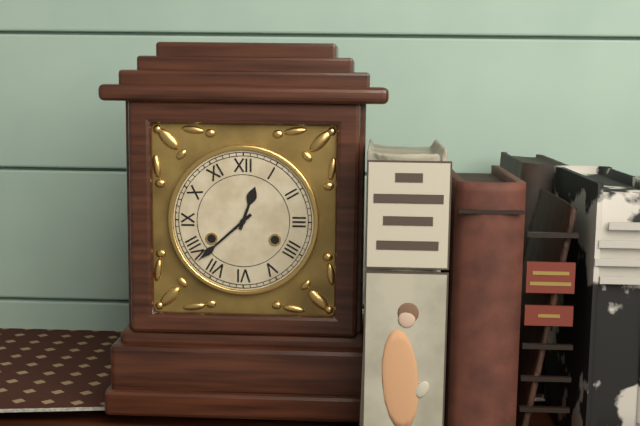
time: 12:38
